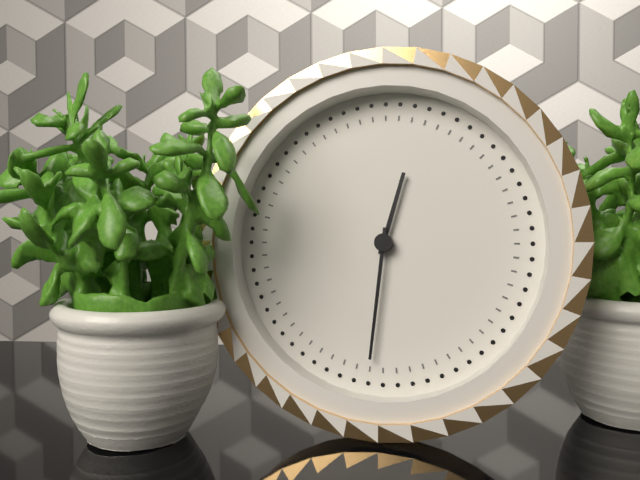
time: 12:31
